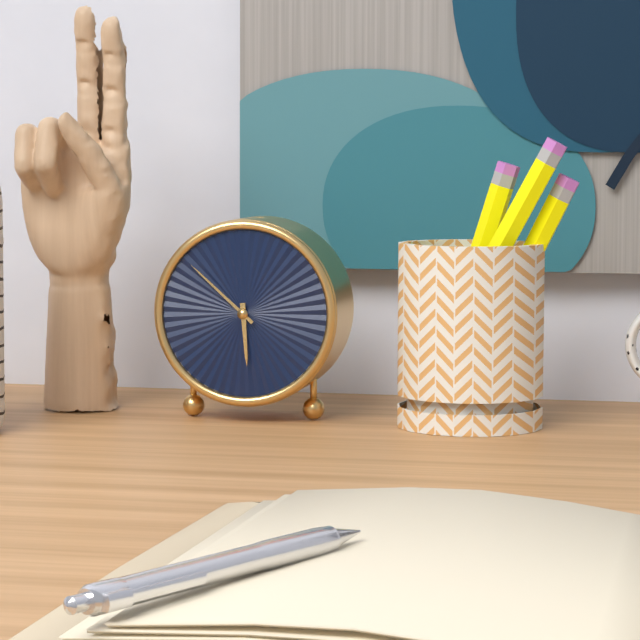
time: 5:52
